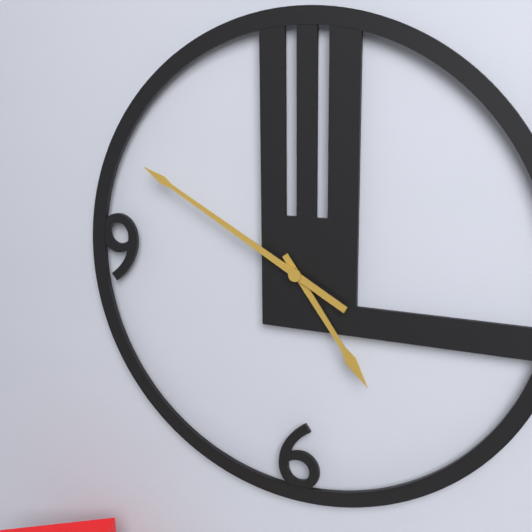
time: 4:50
